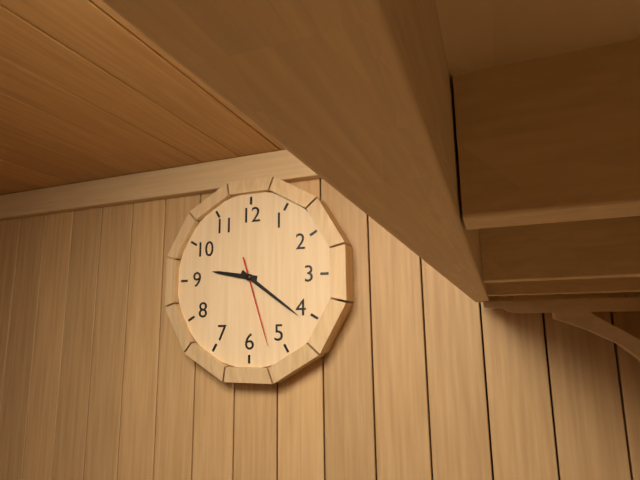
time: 9:21:27
